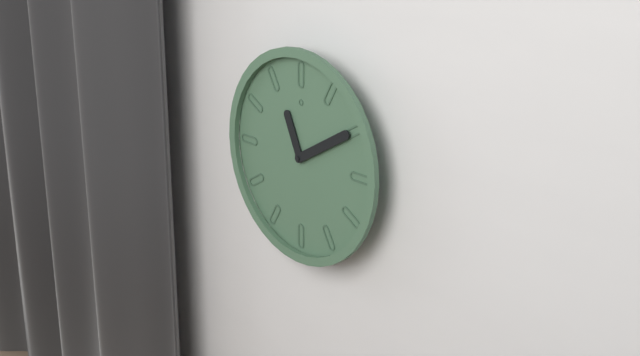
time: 11:10
